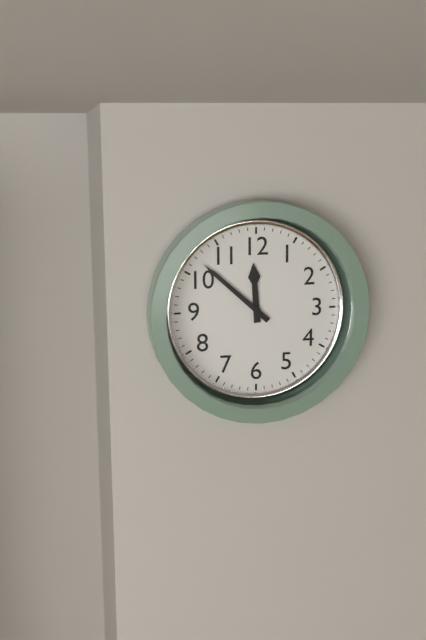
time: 11:52
